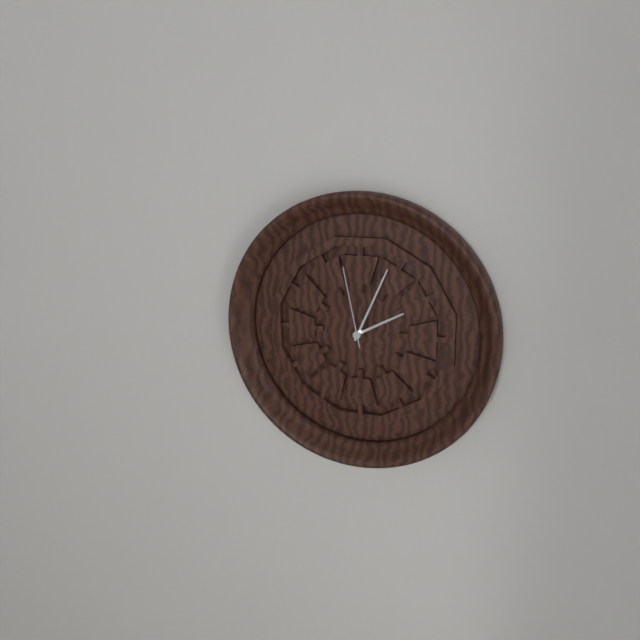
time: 2:04:58
